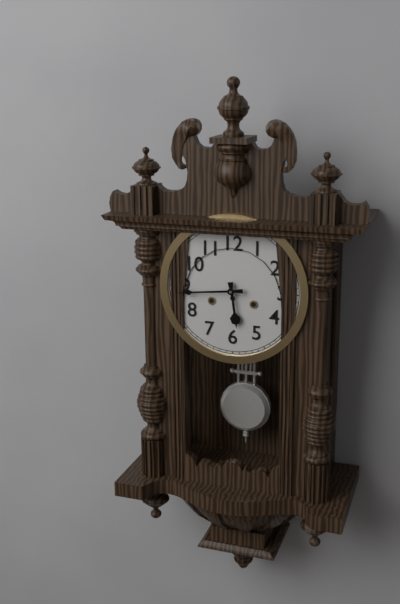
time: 5:44
